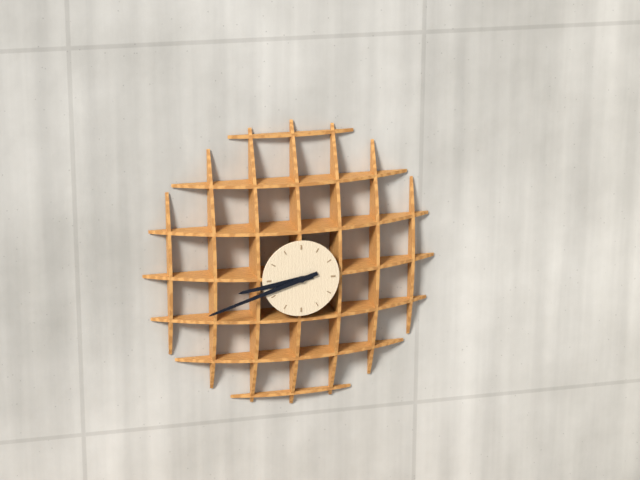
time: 8:42
